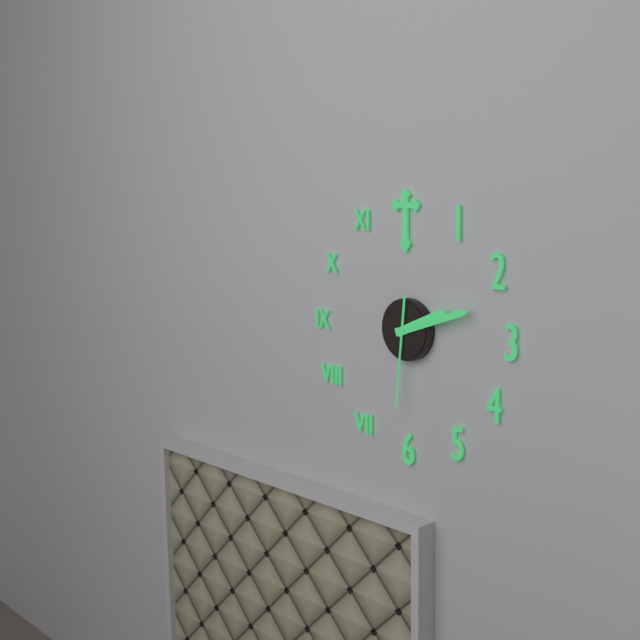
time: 2:12:31
